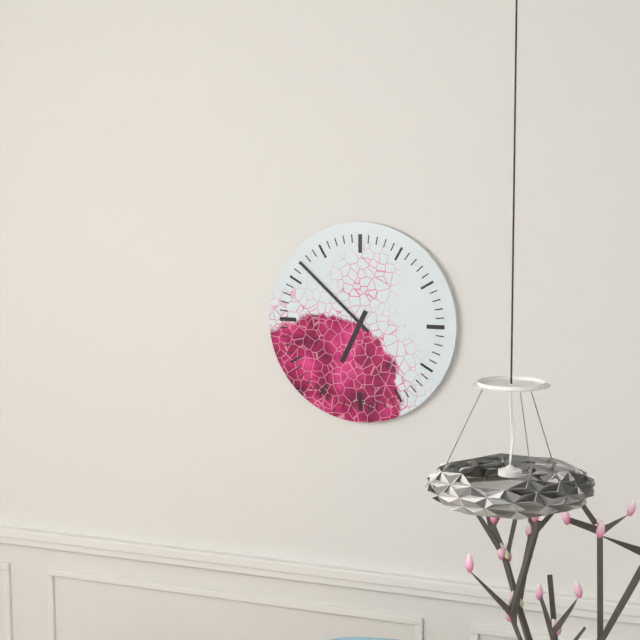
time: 6:52
